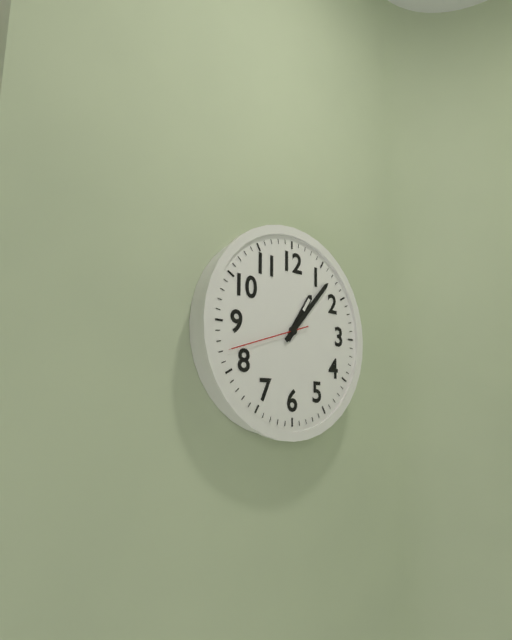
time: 1:07:42
